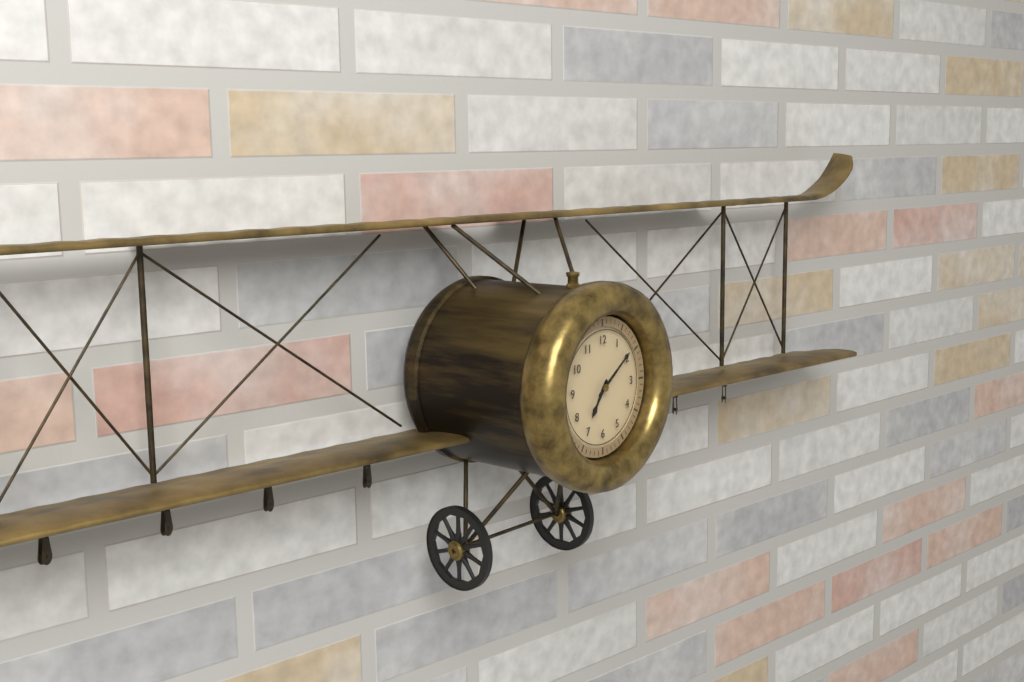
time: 7:09
